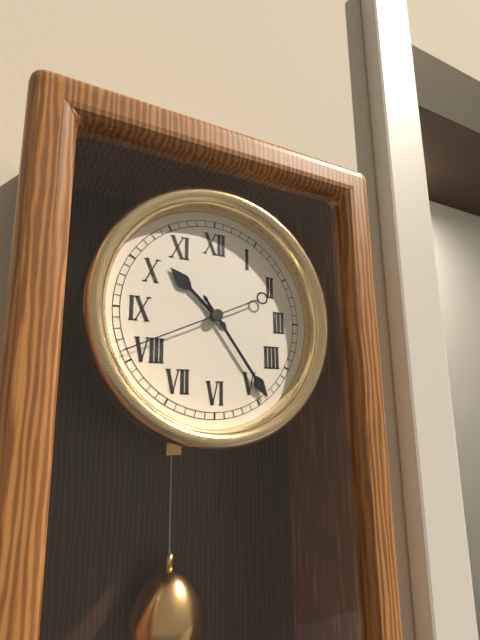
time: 10:24:41
